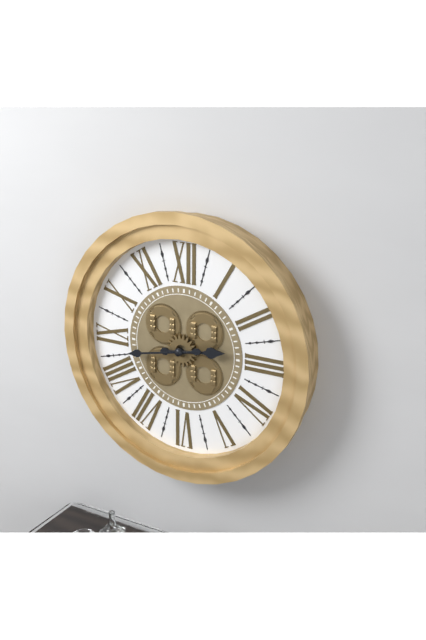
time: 2:43
